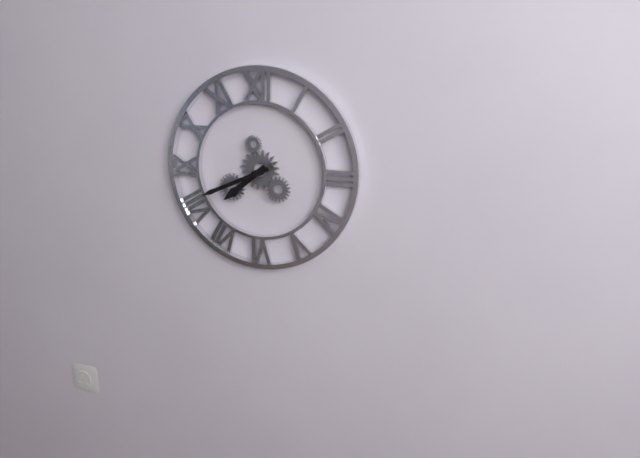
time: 7:41
